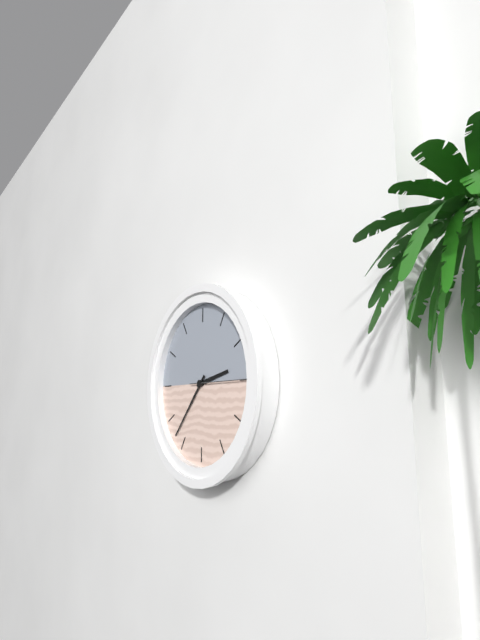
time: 2:37:15
